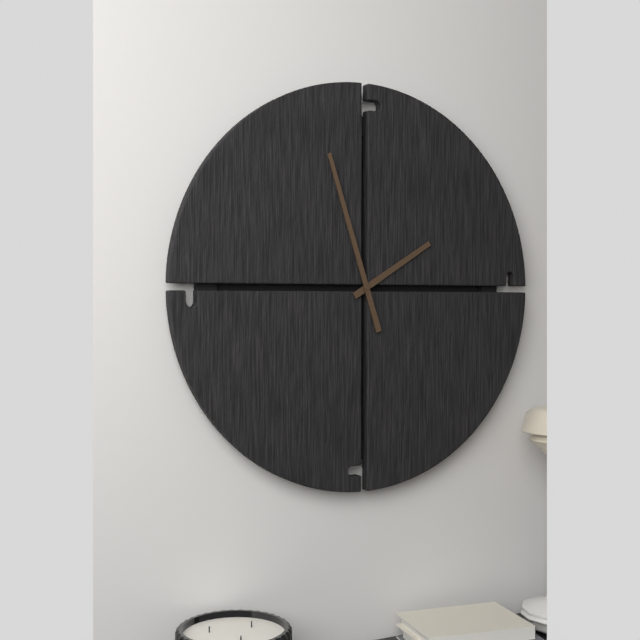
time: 1:57
